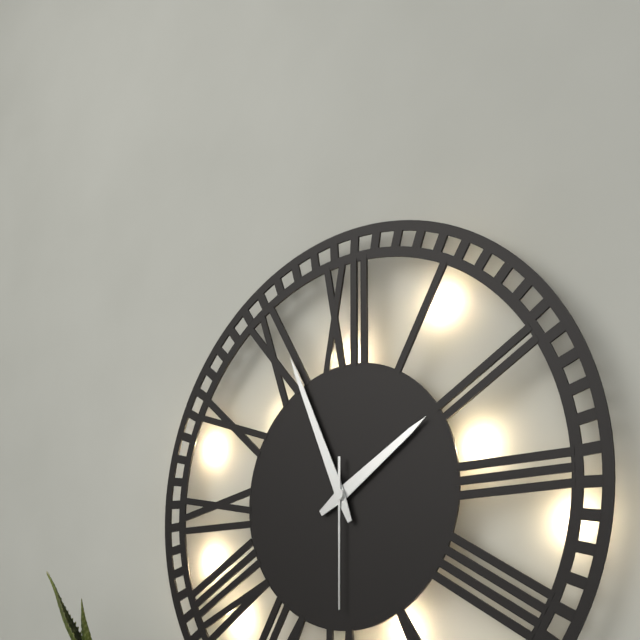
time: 1:56:30
